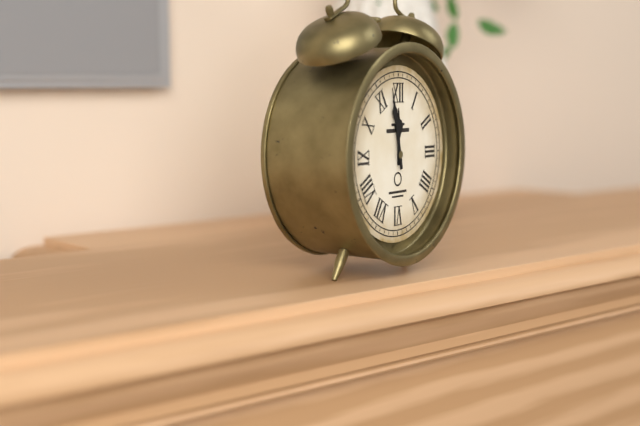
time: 11:58
